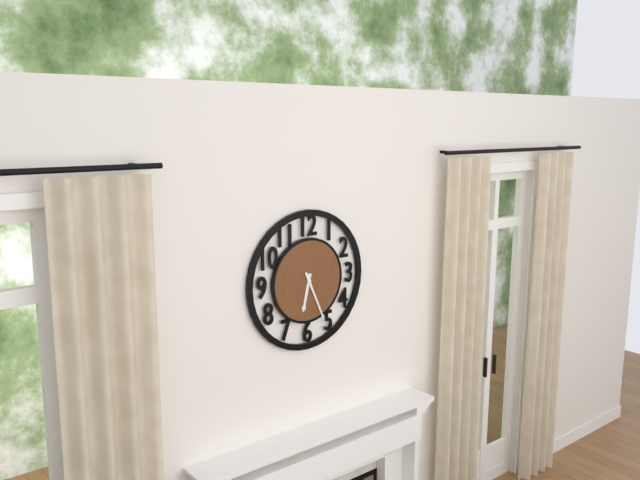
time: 6:26
